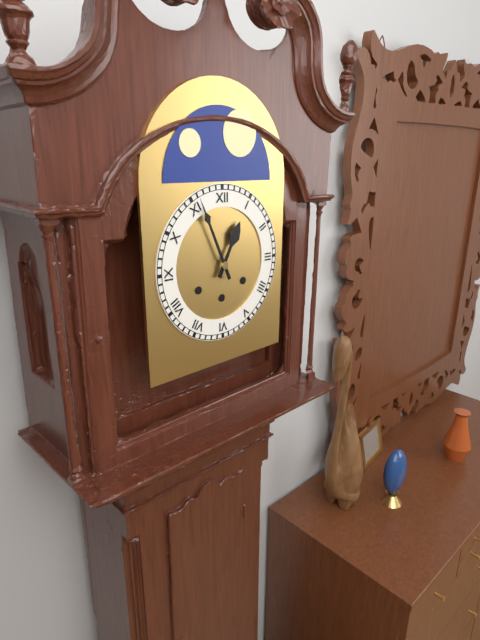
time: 12:56
